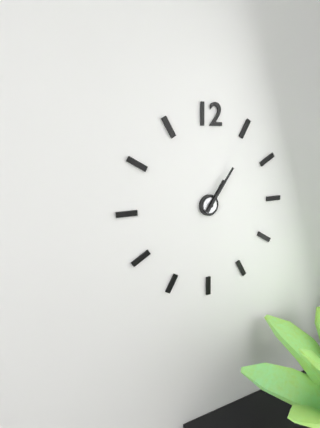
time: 1:06
